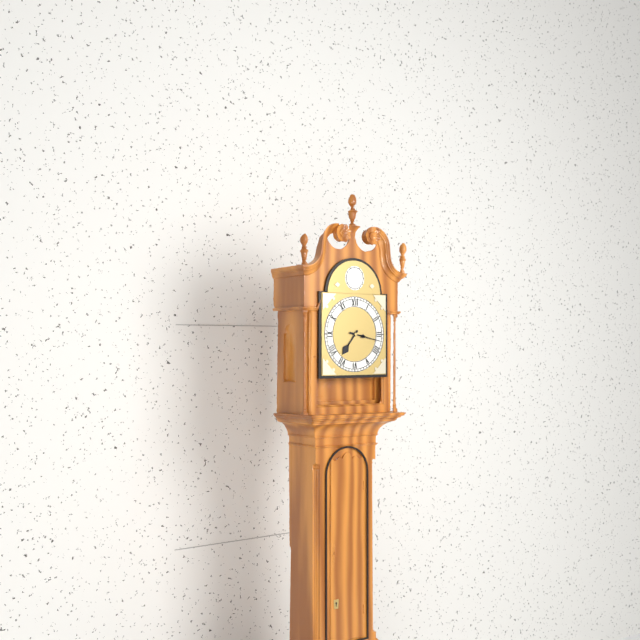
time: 7:17
